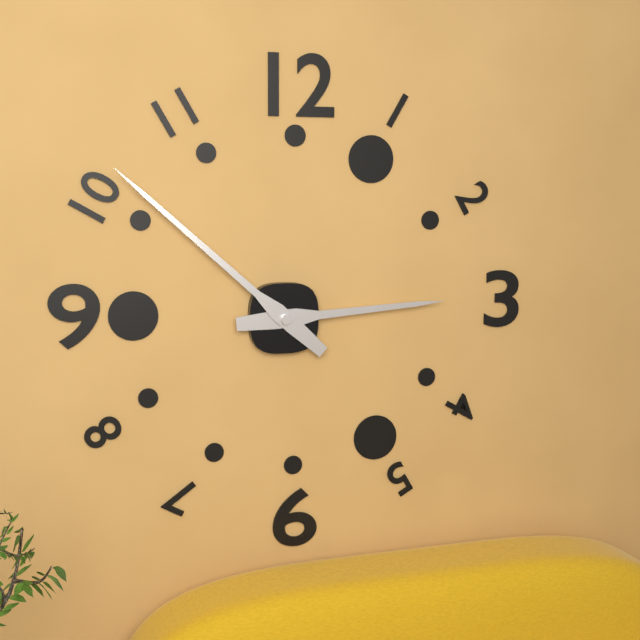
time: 2:52
